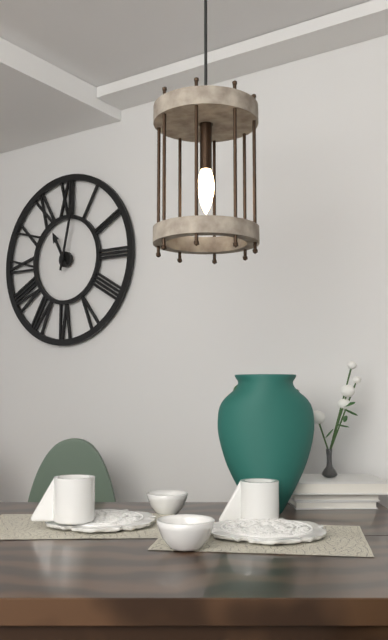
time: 11:02
